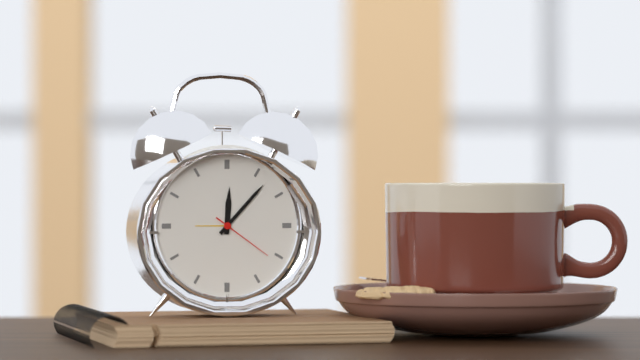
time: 12:07:21
